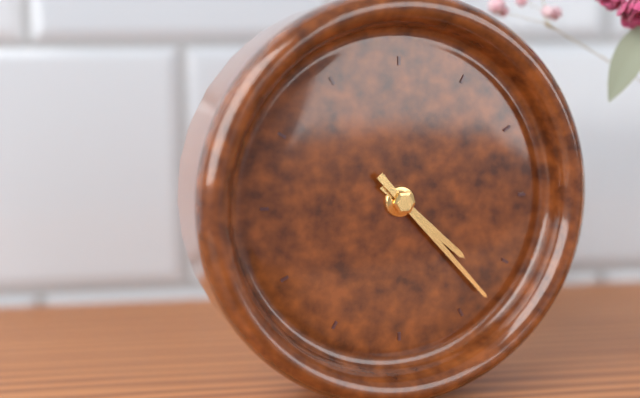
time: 4:23
